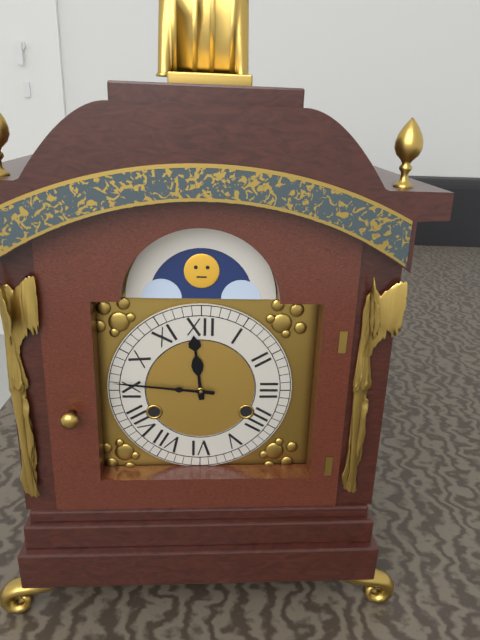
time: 11:46
